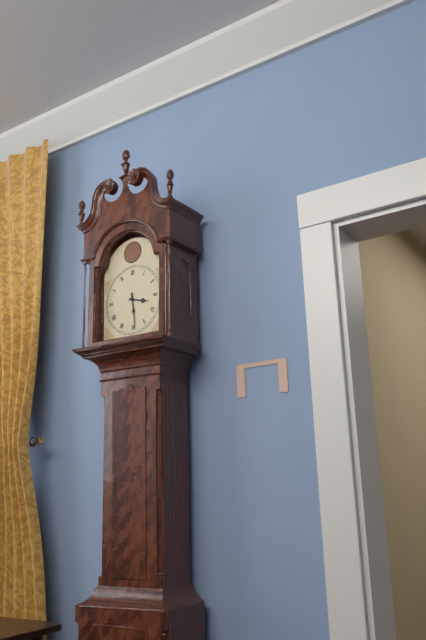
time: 3:29
